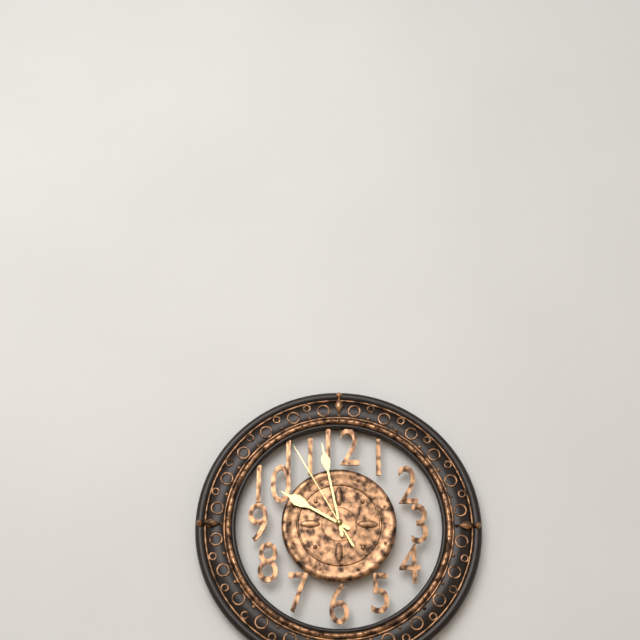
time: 9:58:55
